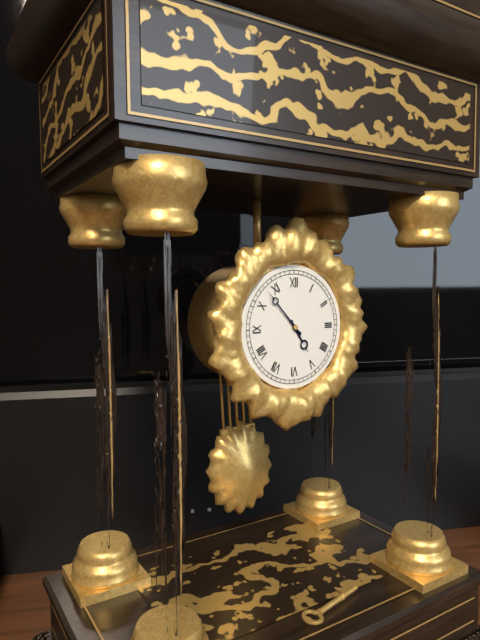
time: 4:53
